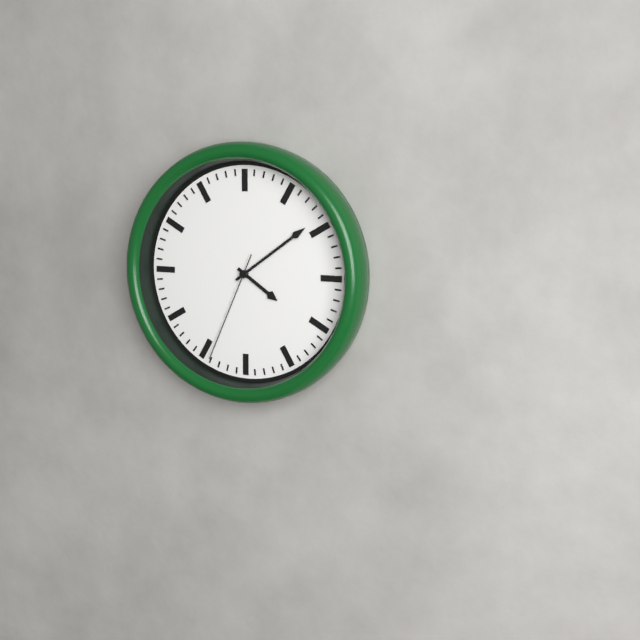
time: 4:09:34
